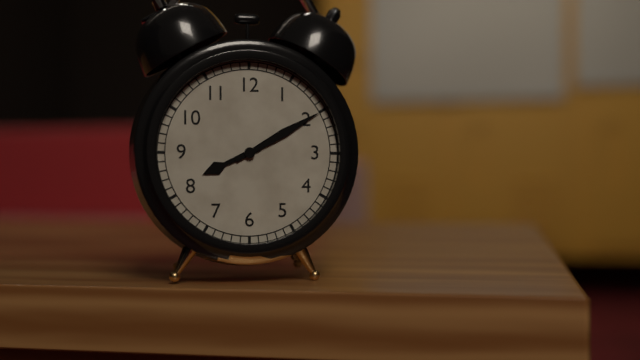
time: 8:10
